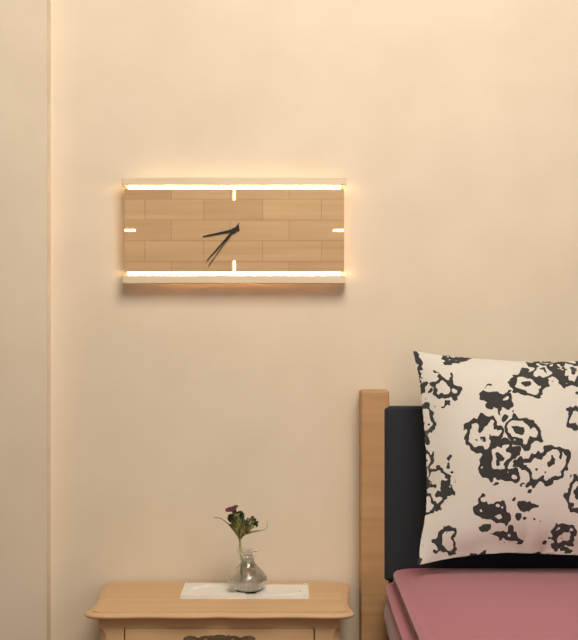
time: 8:37:36
